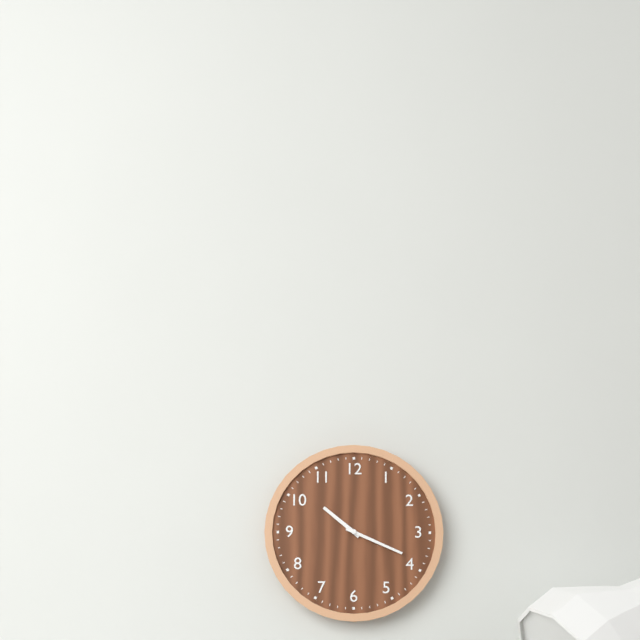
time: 10:19
